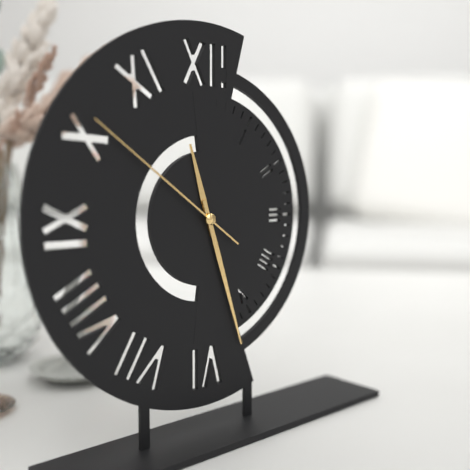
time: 11:27:51
